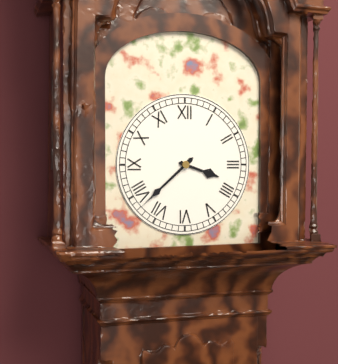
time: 3:38
